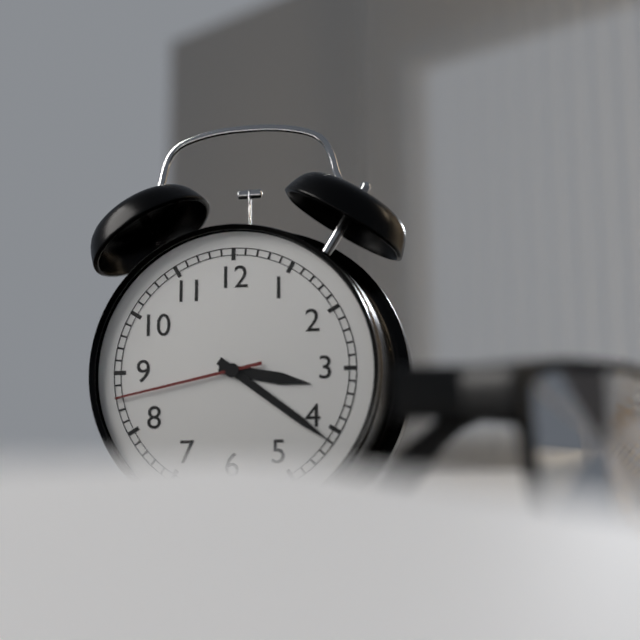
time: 3:21:43
